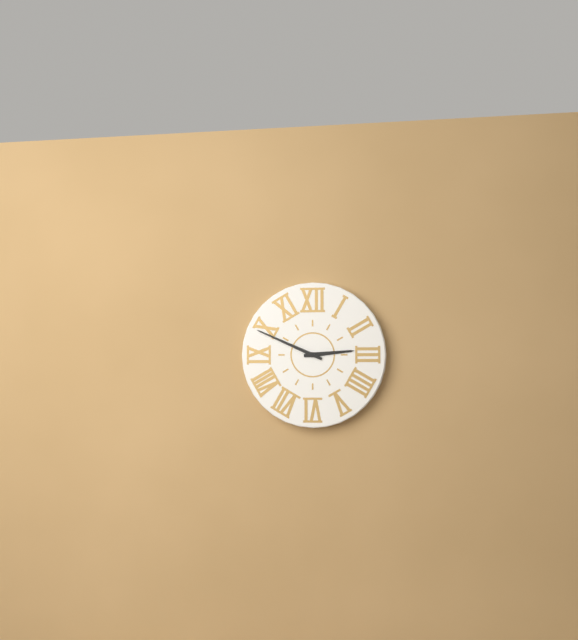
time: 2:49
